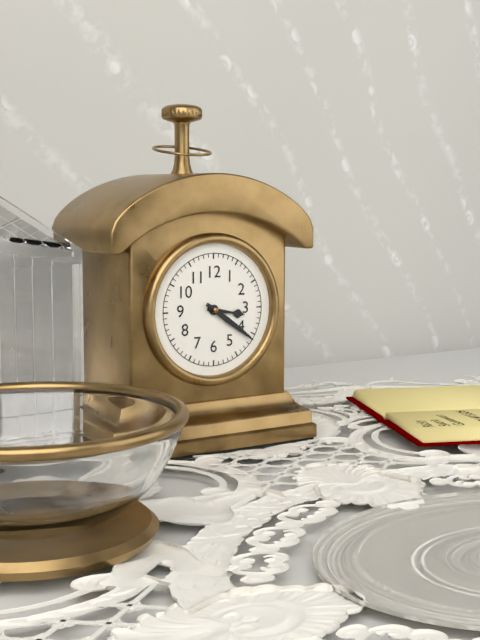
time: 3:21
